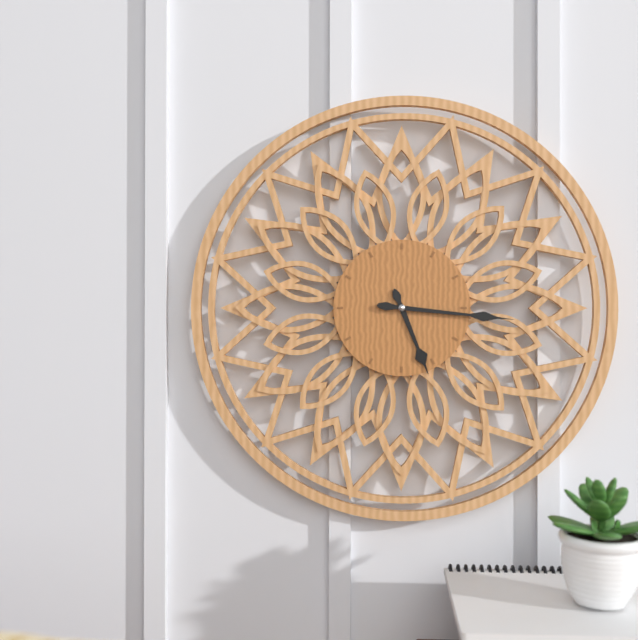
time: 5:16
